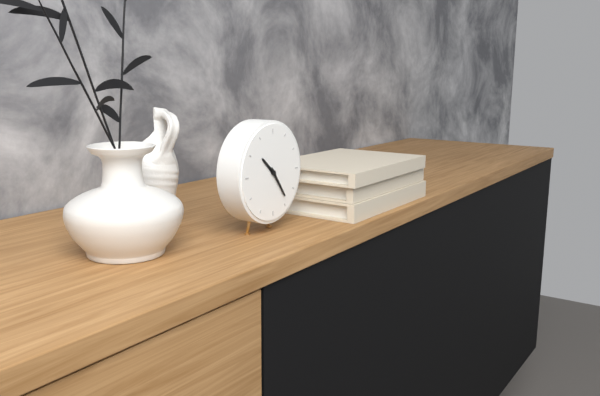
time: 10:24
